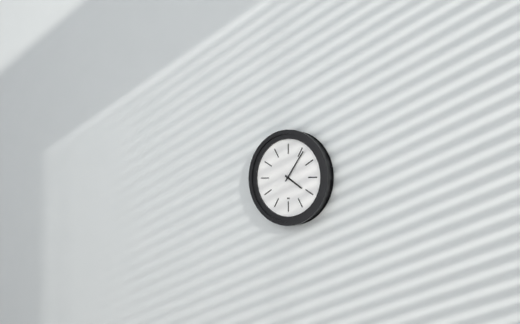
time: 4:06
